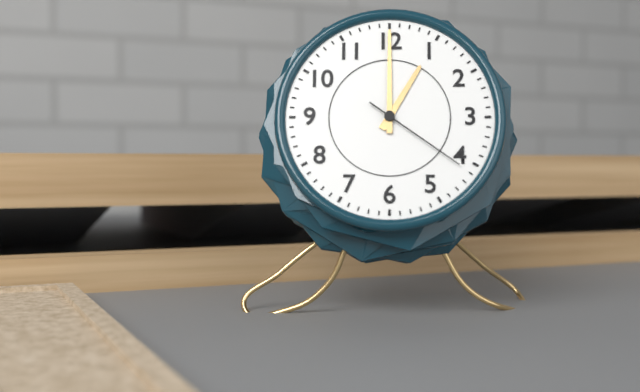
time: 1:00:21
